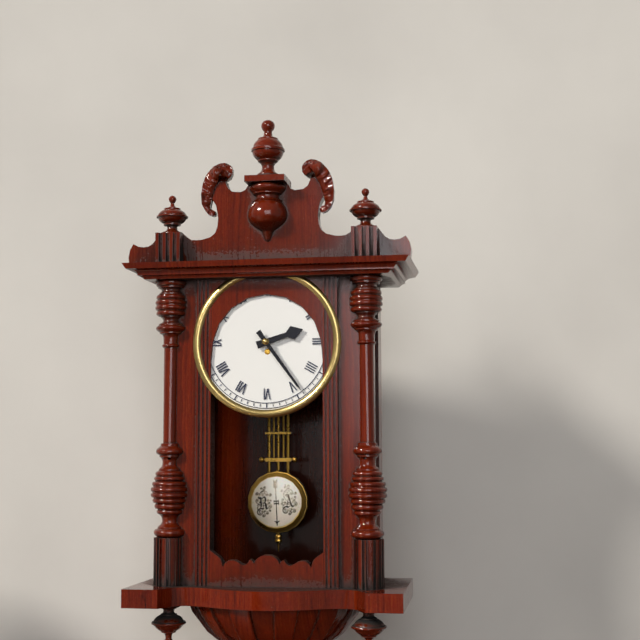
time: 2:24
